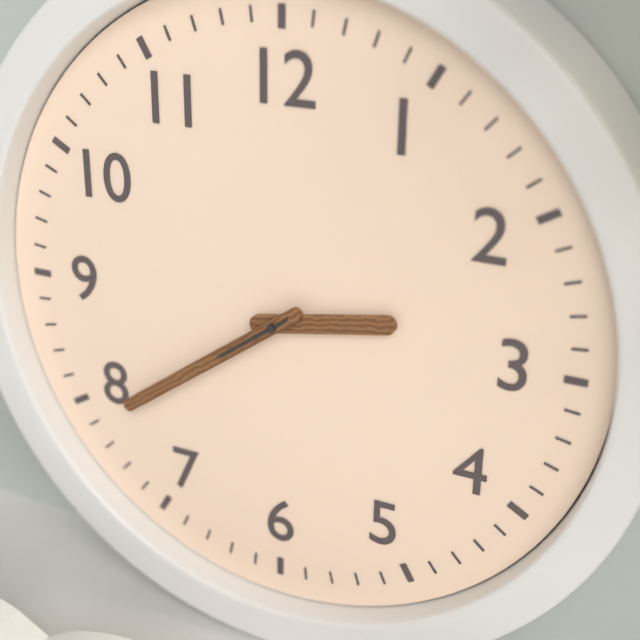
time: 2:39:39
